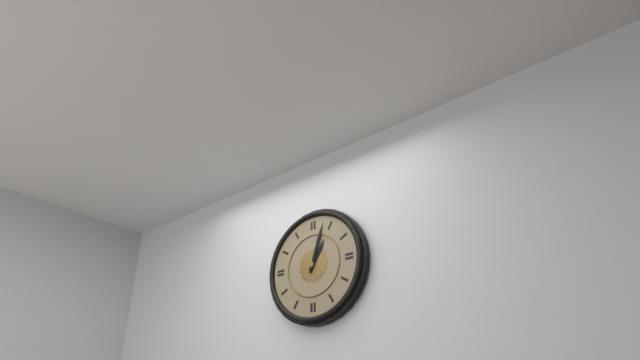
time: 1:03
